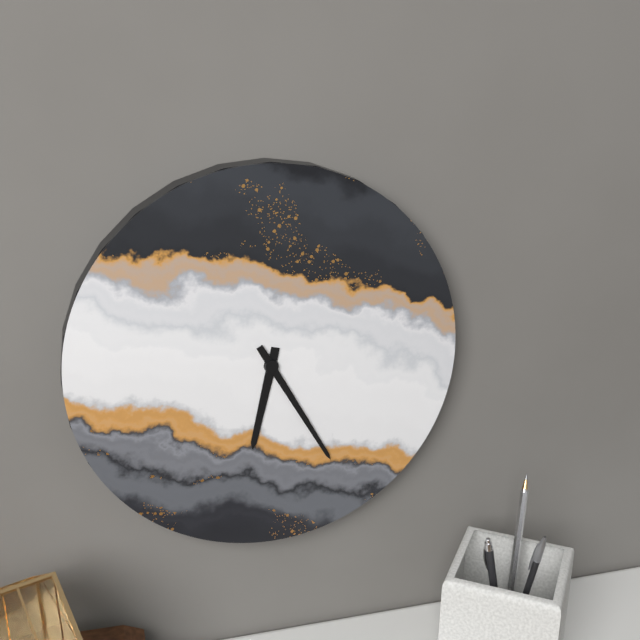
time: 6:25
